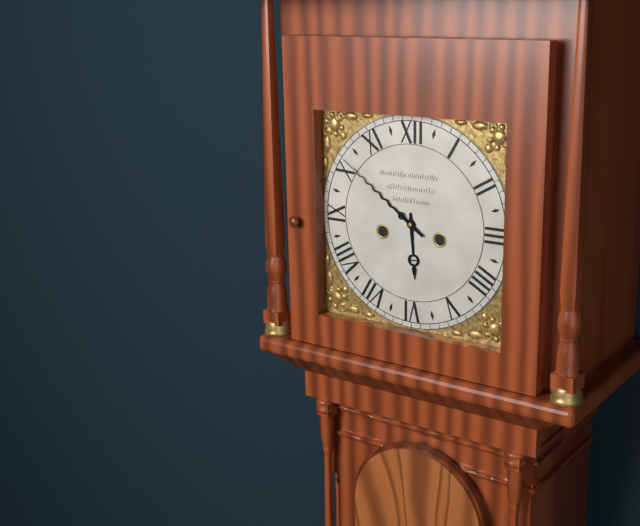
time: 5:51
